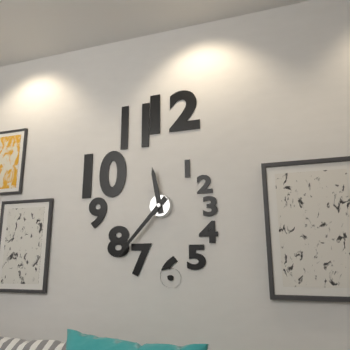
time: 11:37
